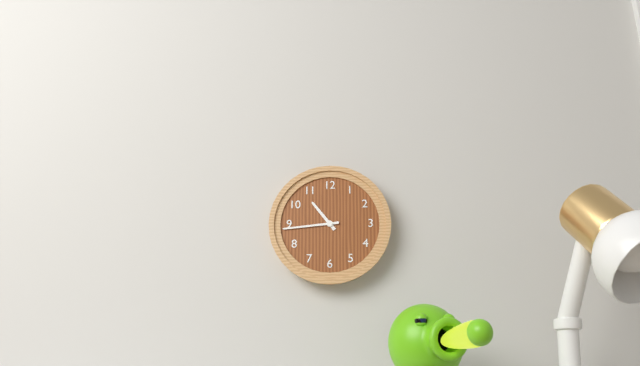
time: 10:44
